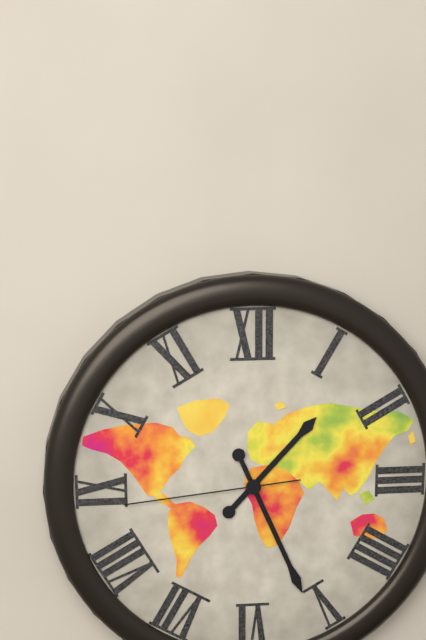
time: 1:26:44
